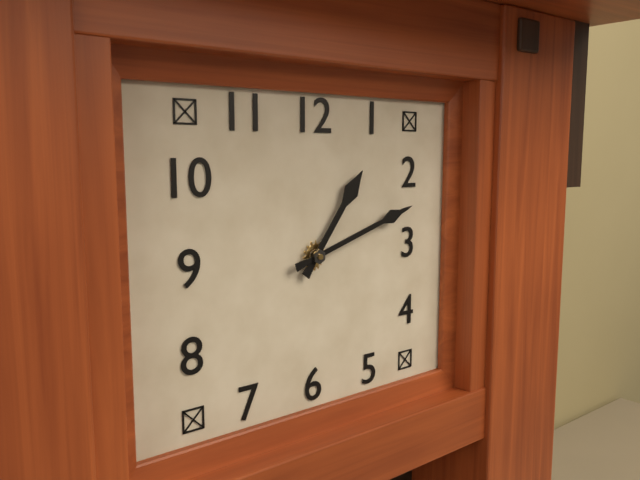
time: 1:12
